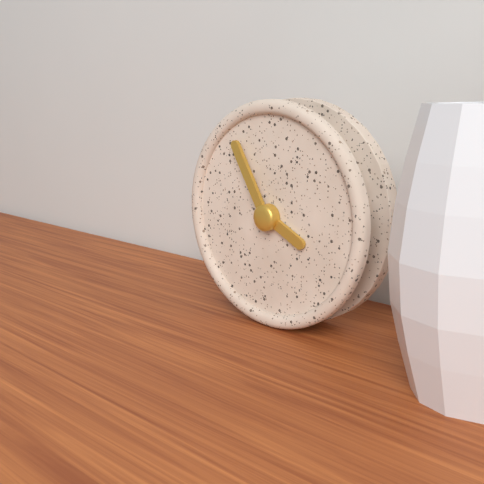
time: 3:55
